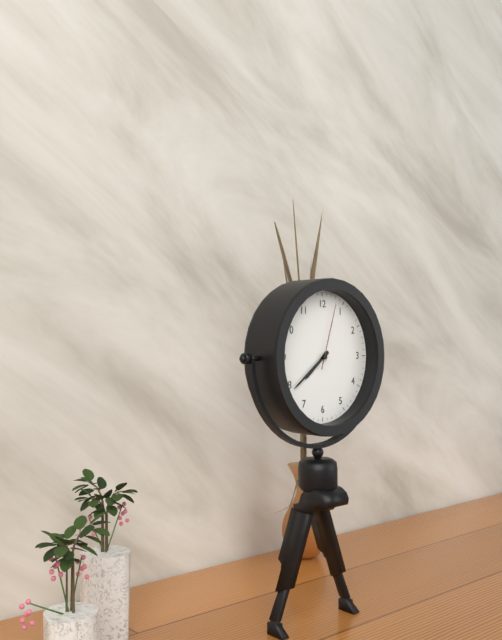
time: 7:39:03
